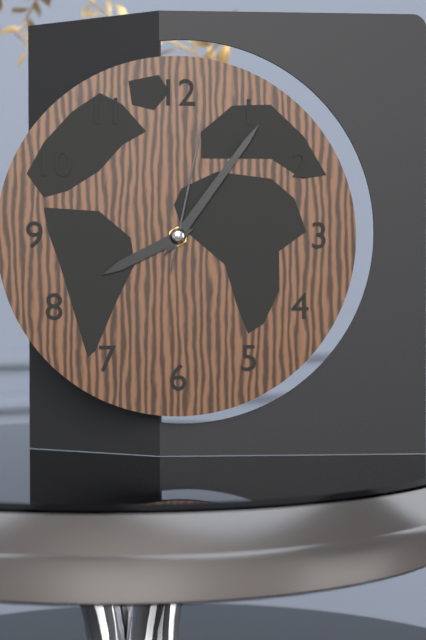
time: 8:06:02
